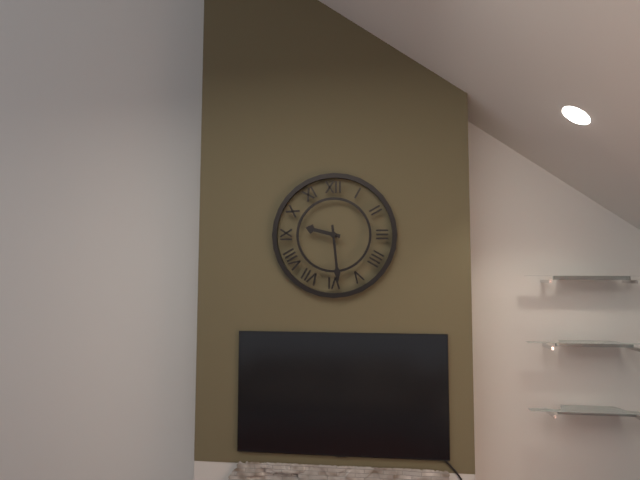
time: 9:29
